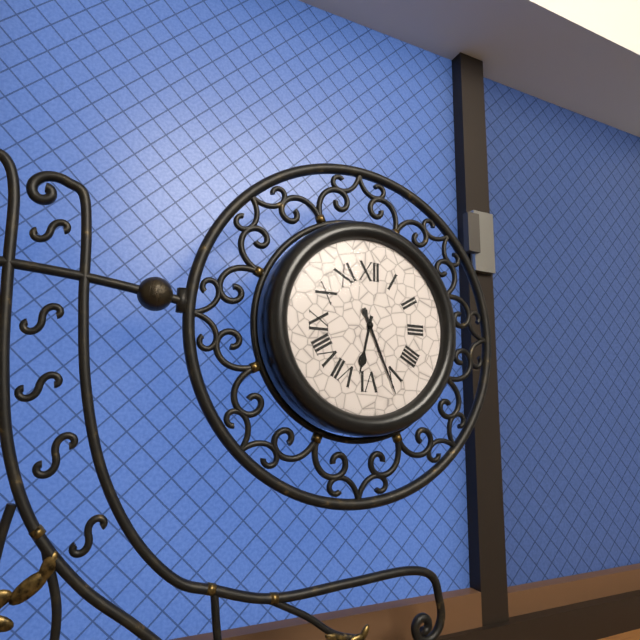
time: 6:26
